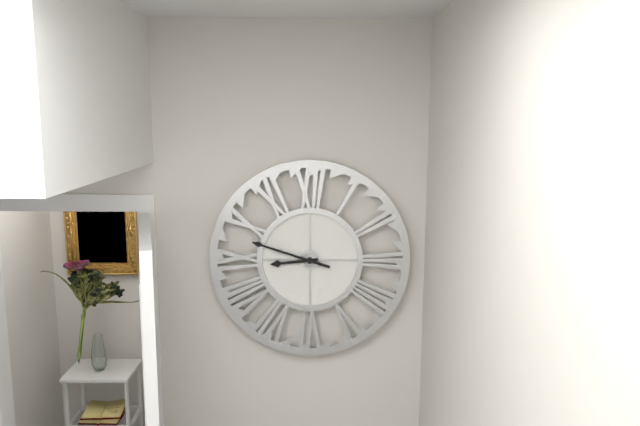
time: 8:48
